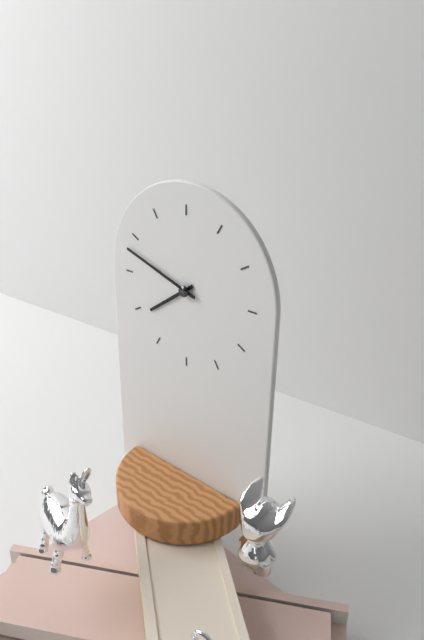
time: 7:48
